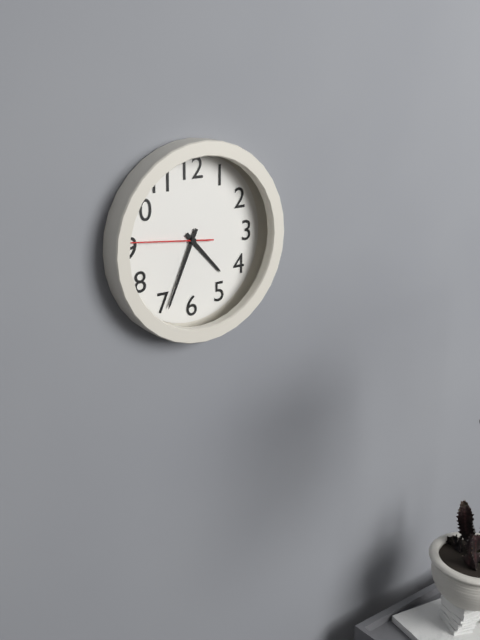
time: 4:34:46
